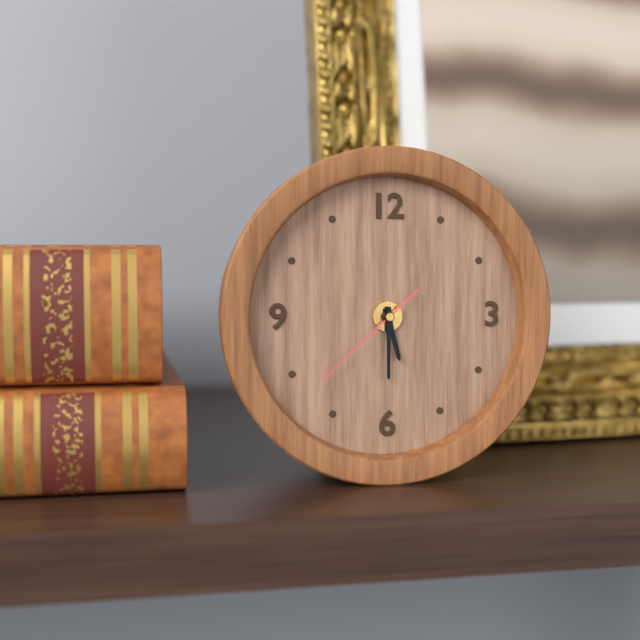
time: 5:30:38
